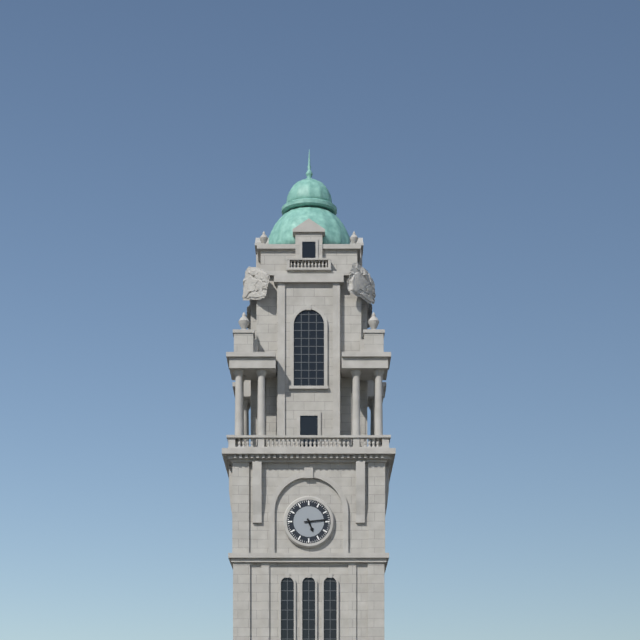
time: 5:14
